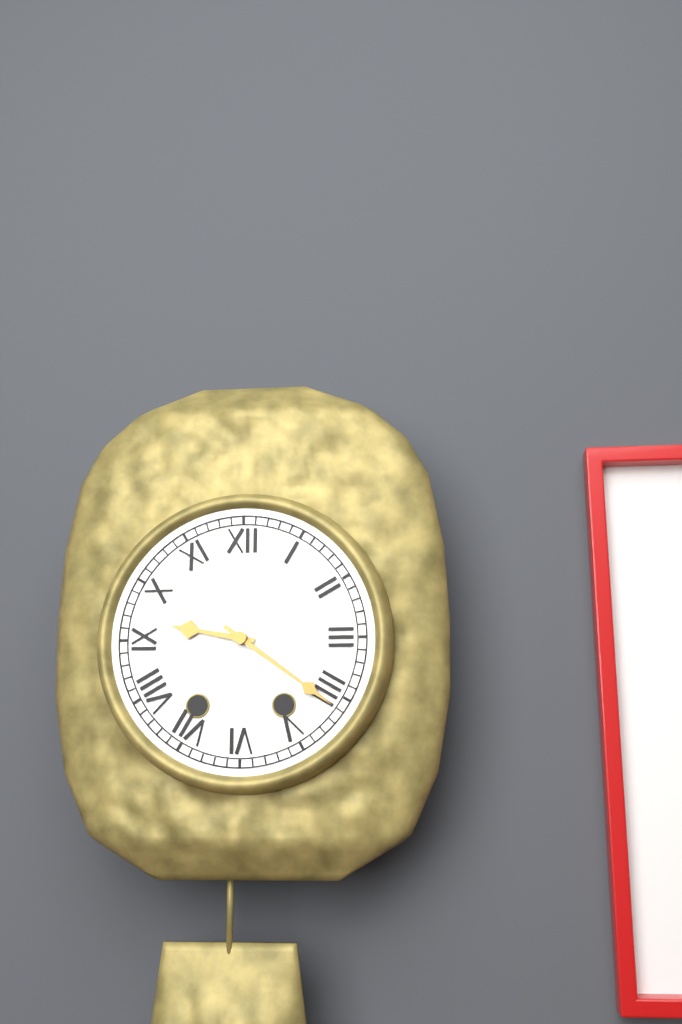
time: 9:21
